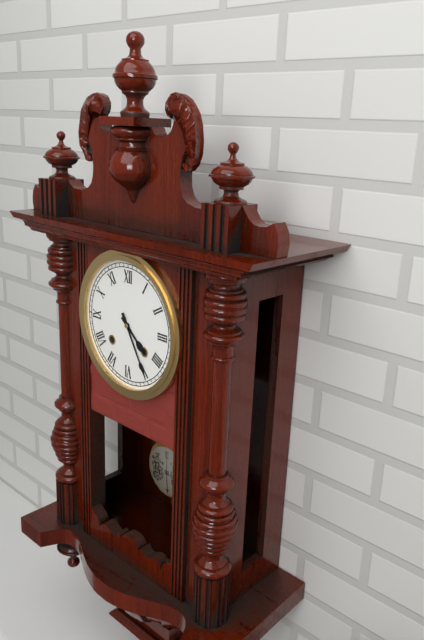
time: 4:25
